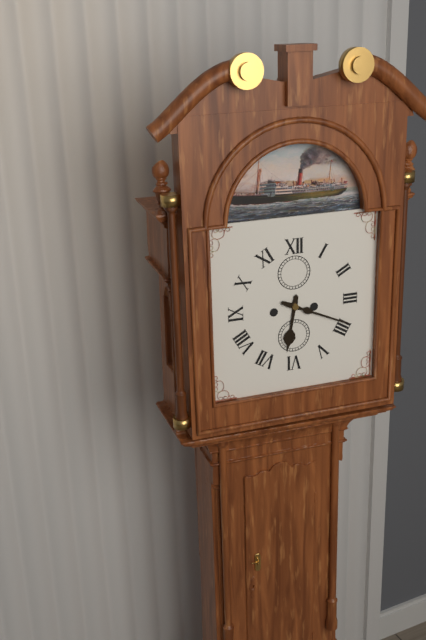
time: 6:19
